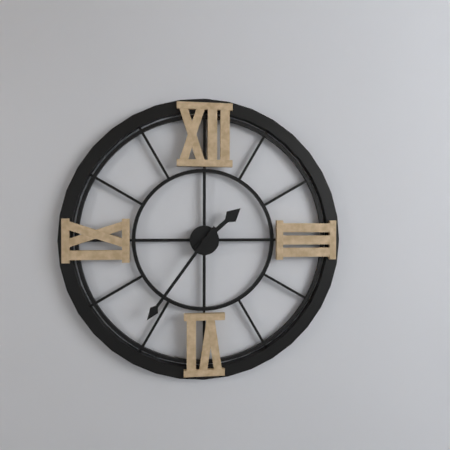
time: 1:36
